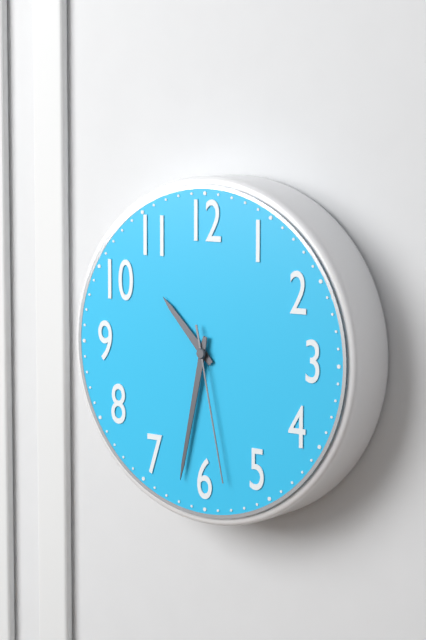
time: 10:32:28
